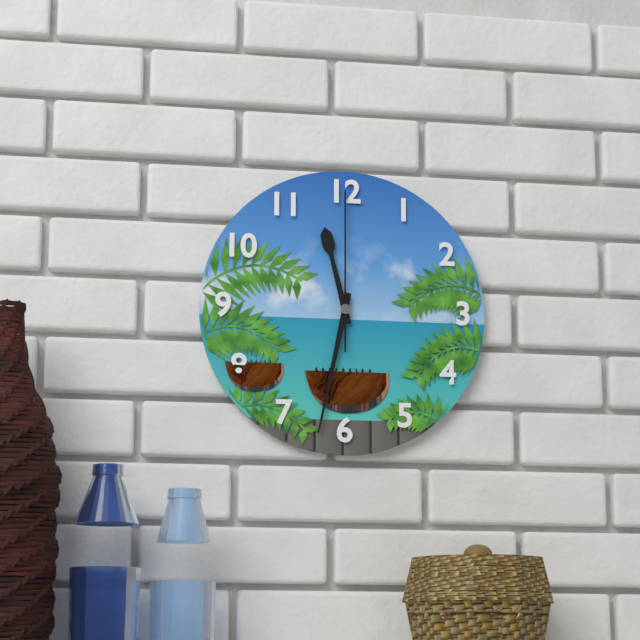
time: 11:32:00
